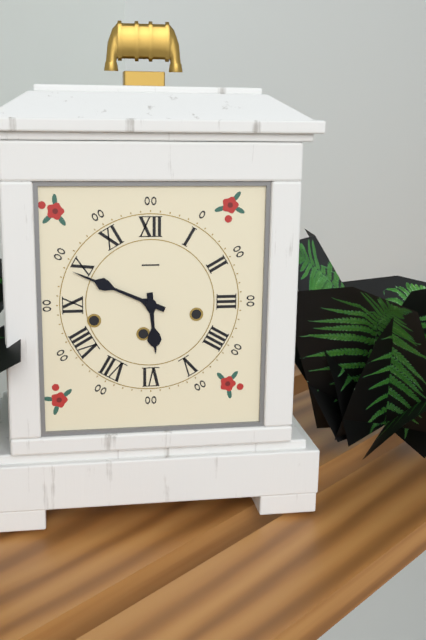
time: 5:49
